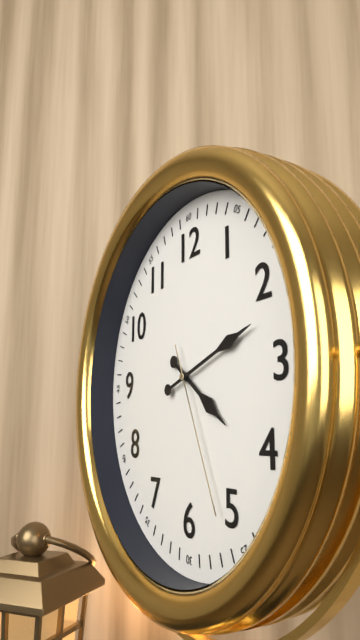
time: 4:12:26
